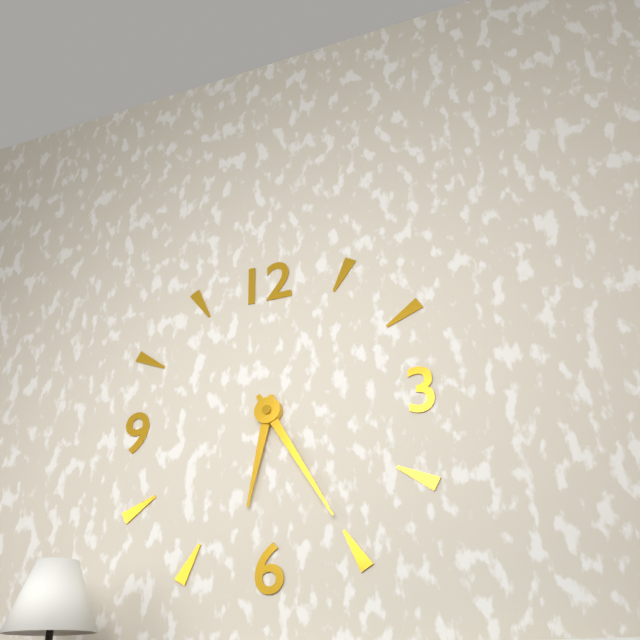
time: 6:25
